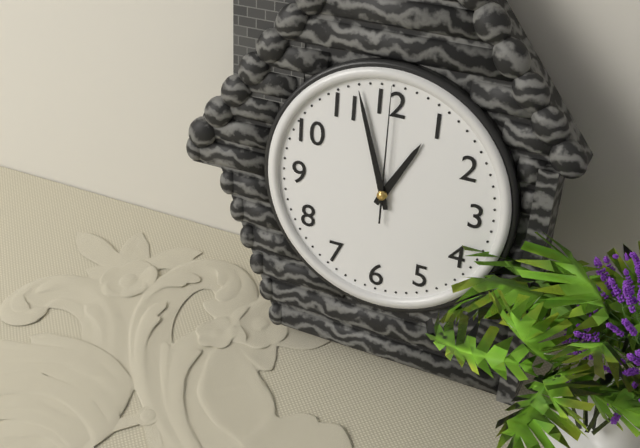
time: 12:57:00
